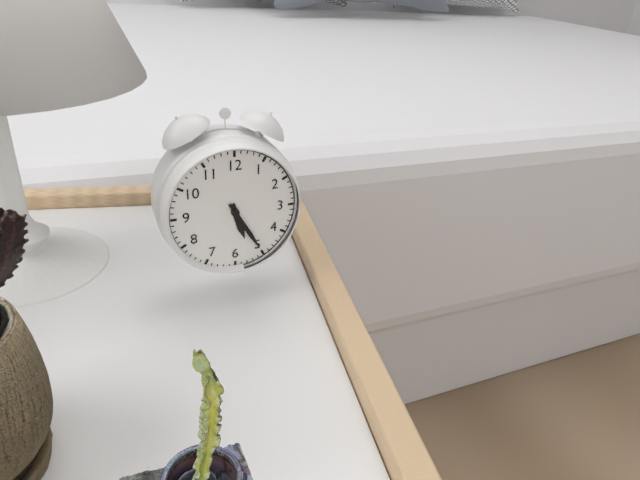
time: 5:25
